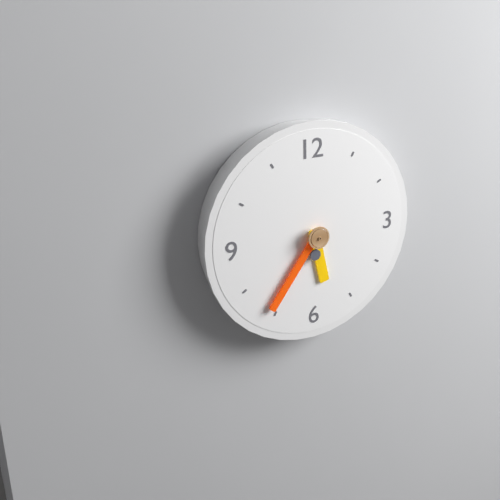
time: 5:36
